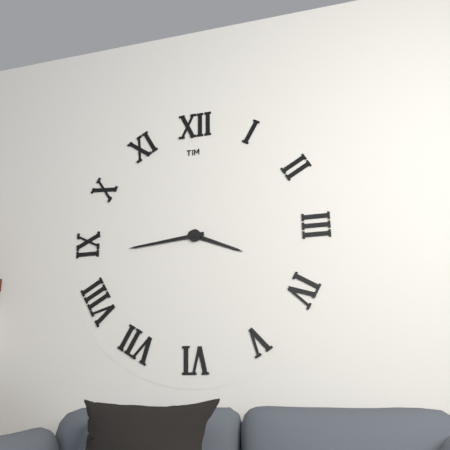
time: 3:44
